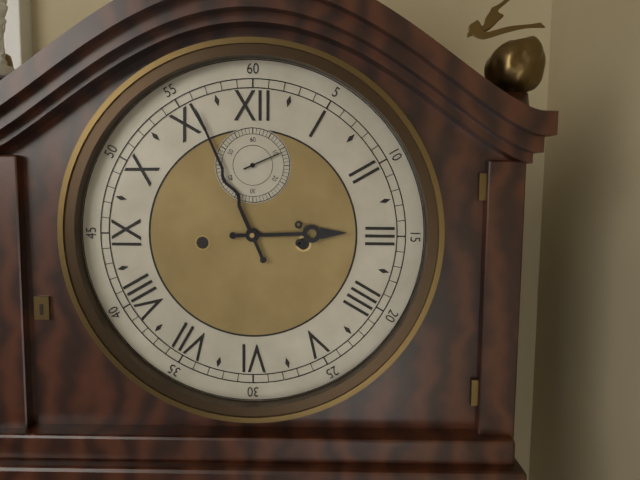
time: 2:56
